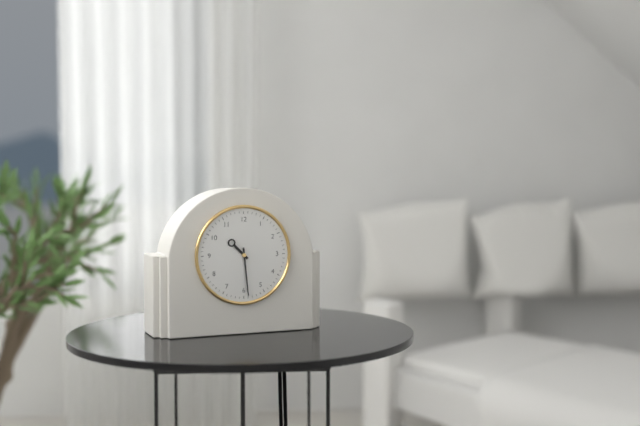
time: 10:29
